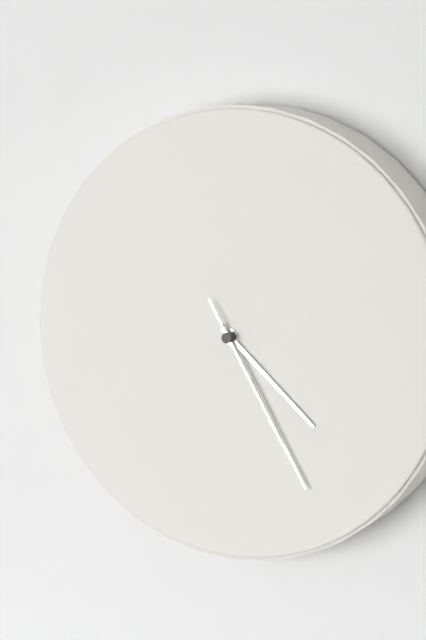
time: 4:25:25
